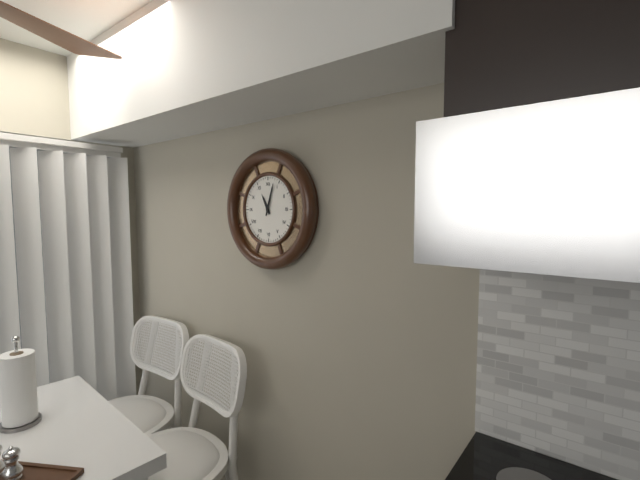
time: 11:03
